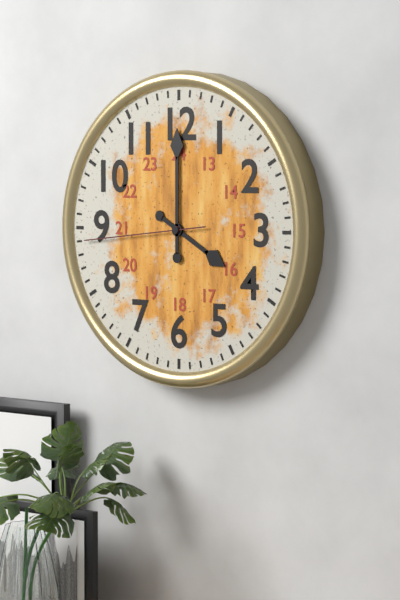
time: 4:00:44
